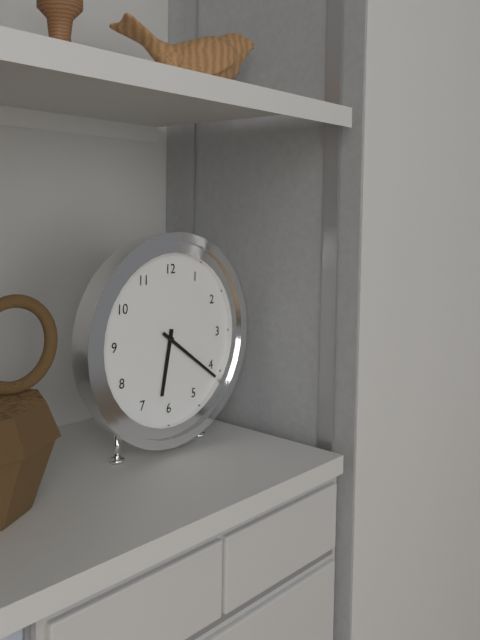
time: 6:21
